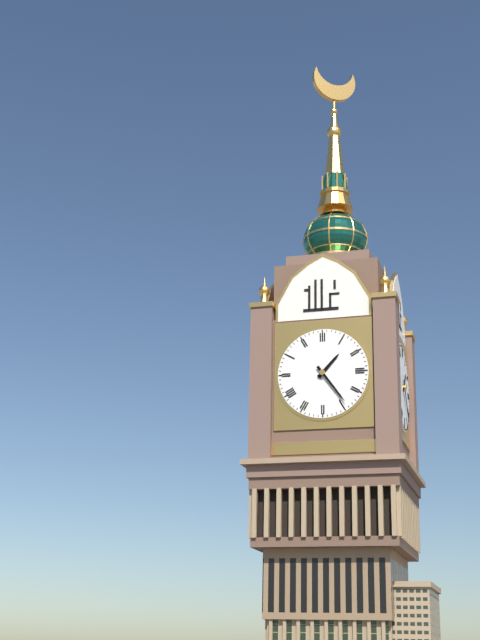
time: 1:24
